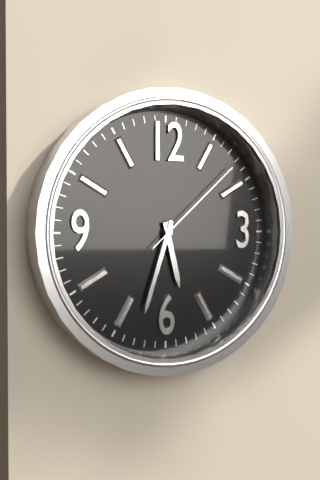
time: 5:33:08
